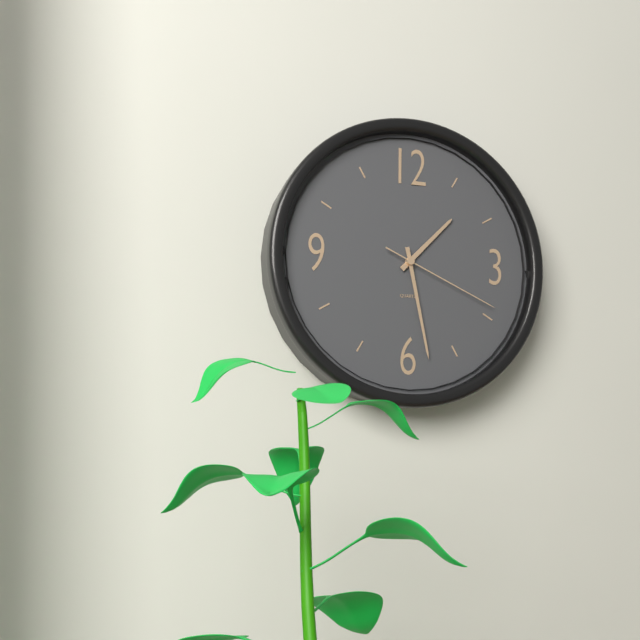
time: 1:28:19
